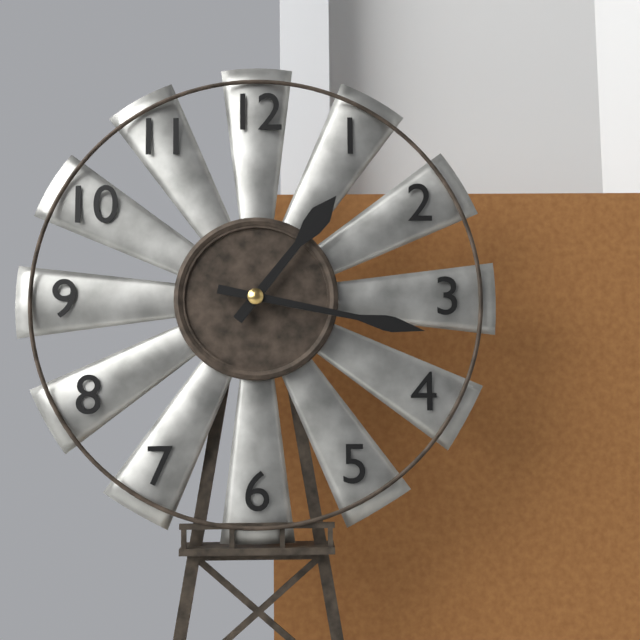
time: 1:17
